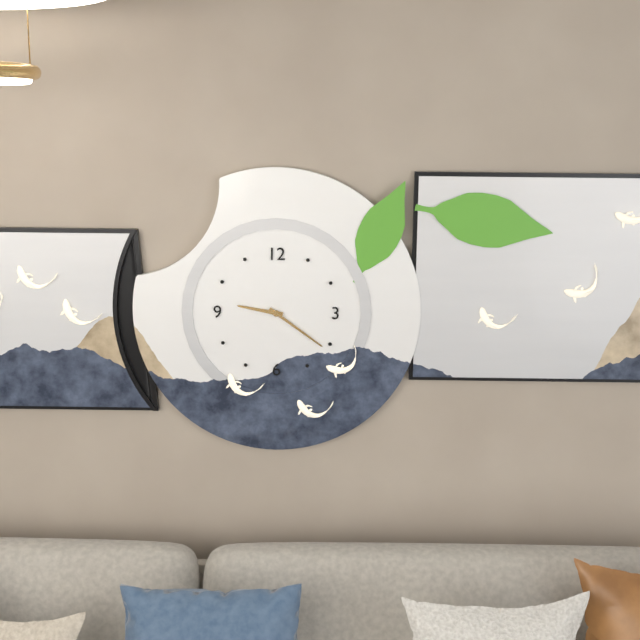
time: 9:21
